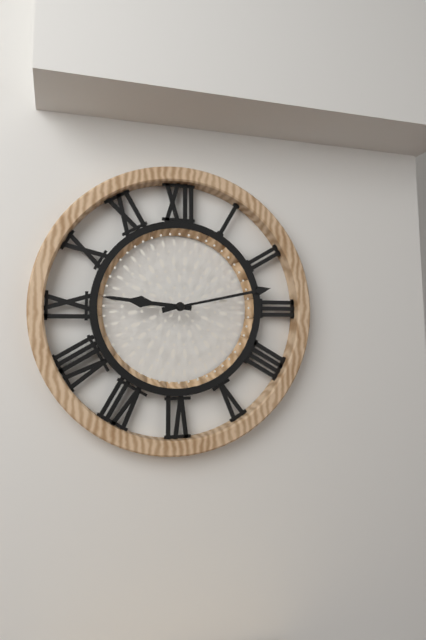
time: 9:13
